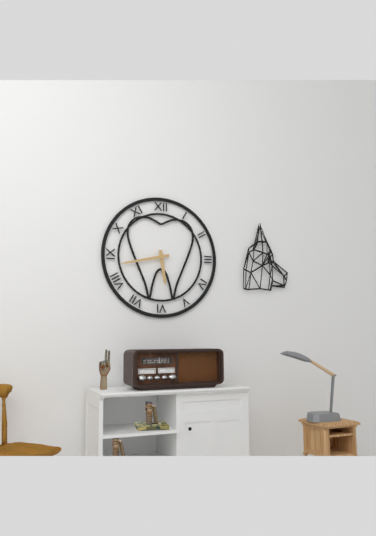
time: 5:43
